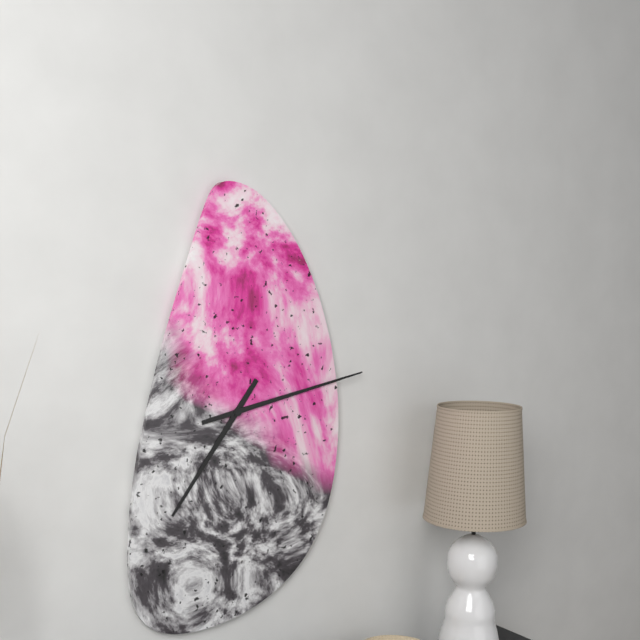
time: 7:13
